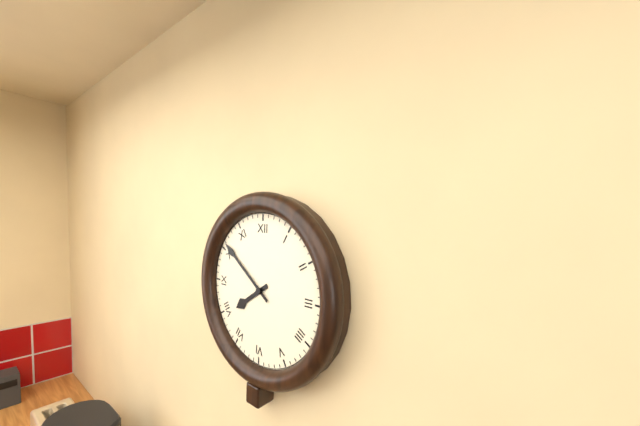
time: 7:51
